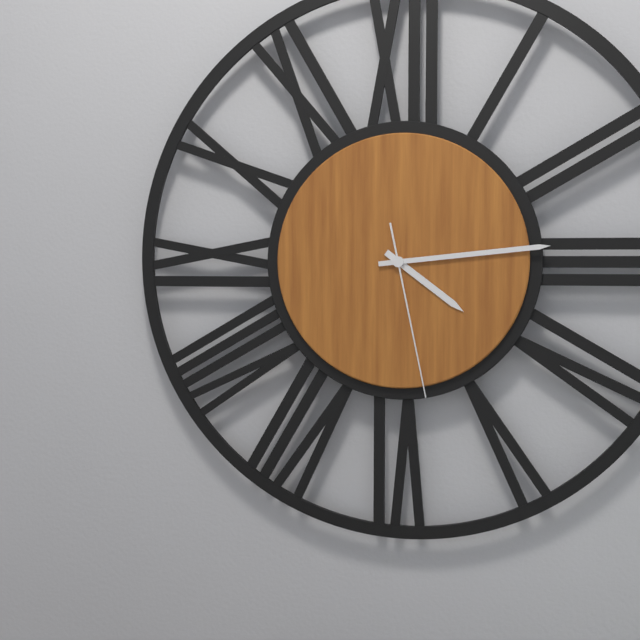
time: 4:14:28
